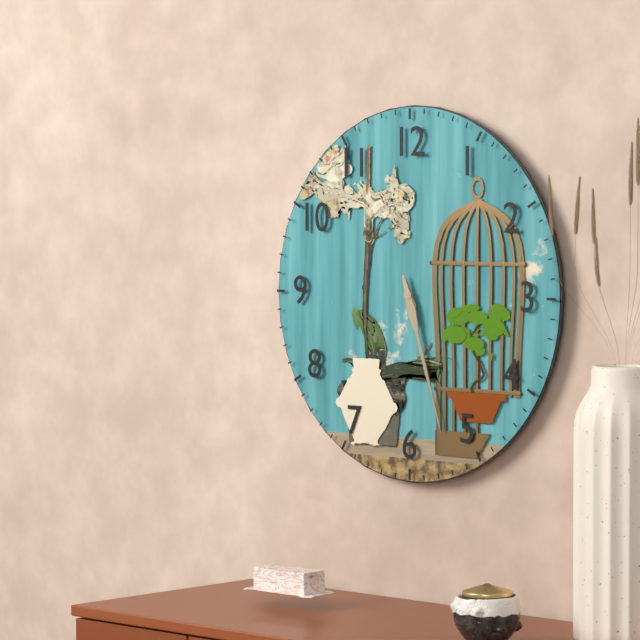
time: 5:27
